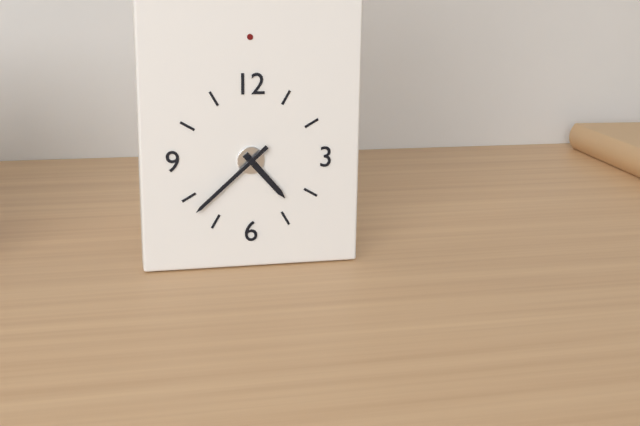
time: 4:38
